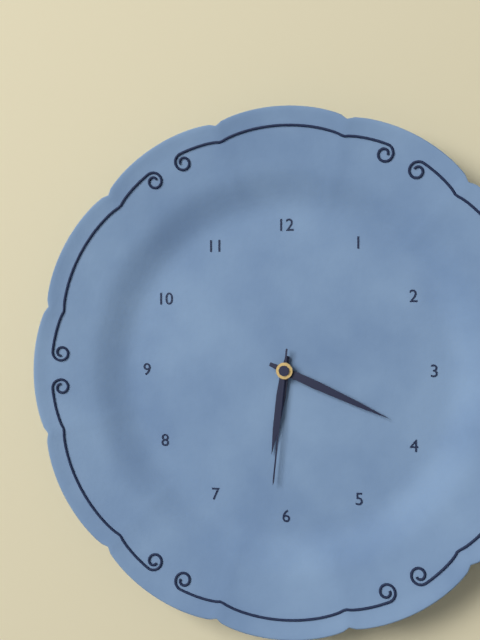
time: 6:19:31
